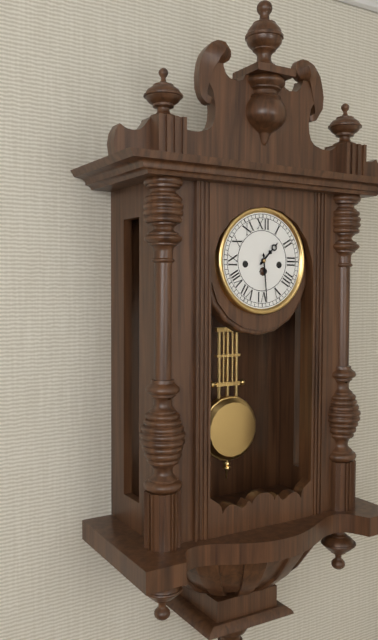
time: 1:29
